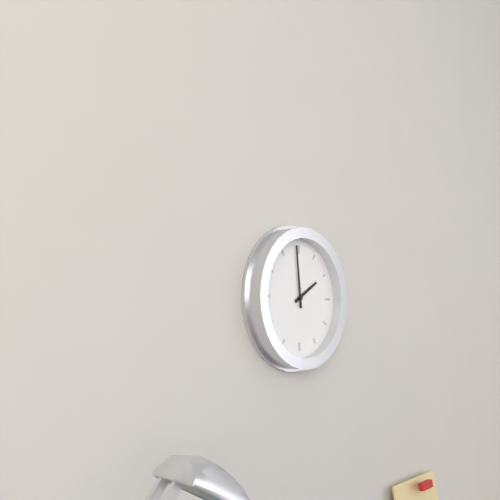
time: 1:59
